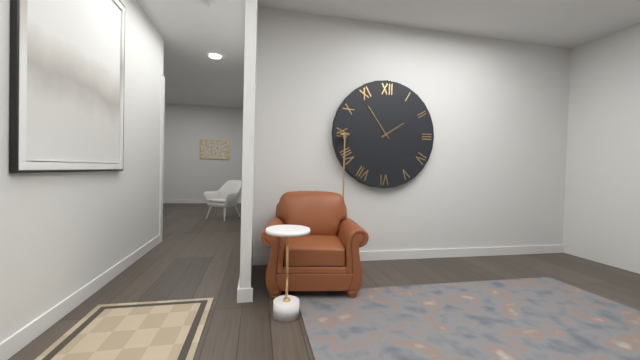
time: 1:54
